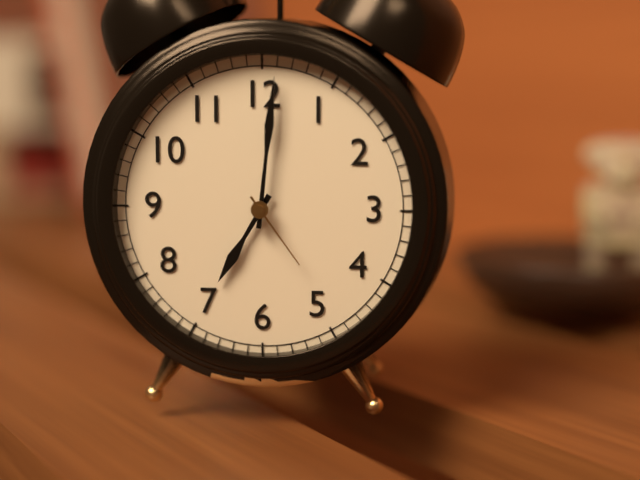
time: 7:01:24
